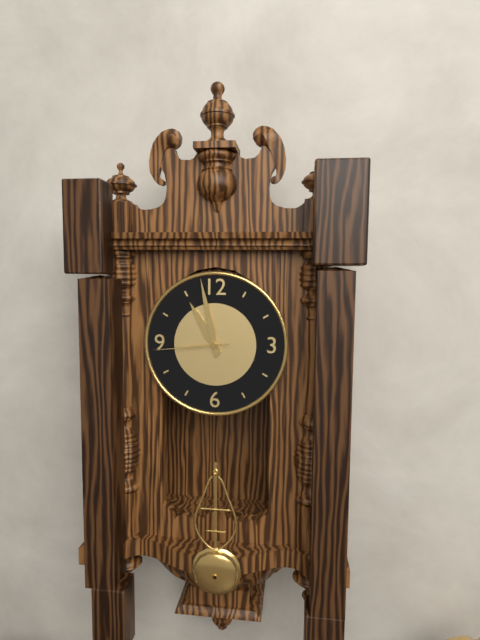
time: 10:58:44
